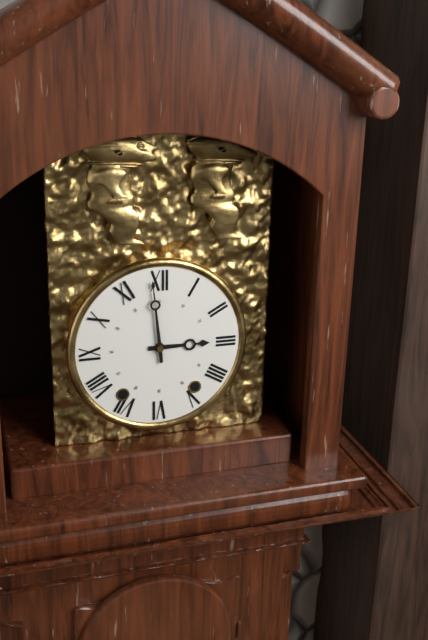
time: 2:59
